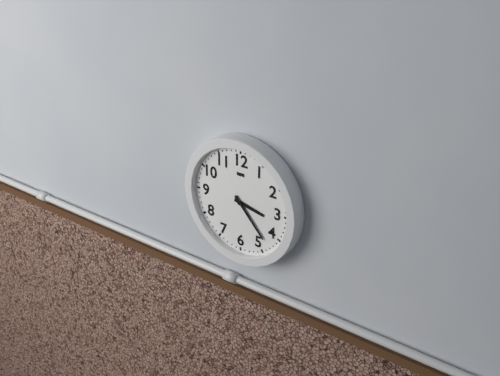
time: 3:23
